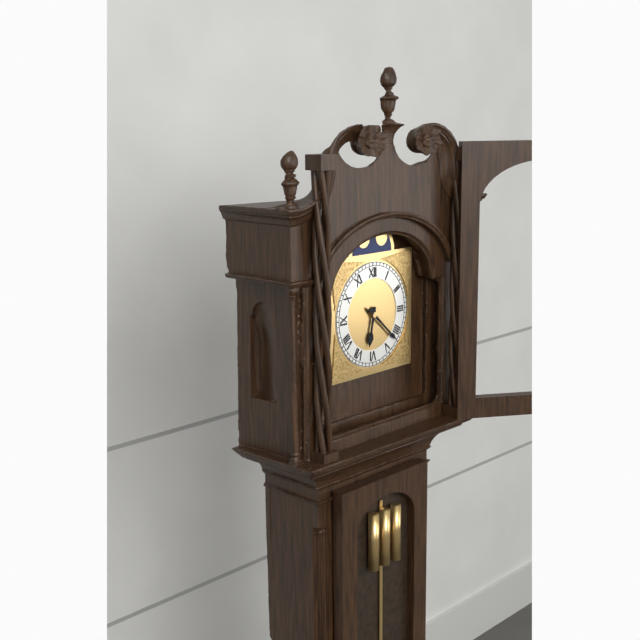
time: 6:22
